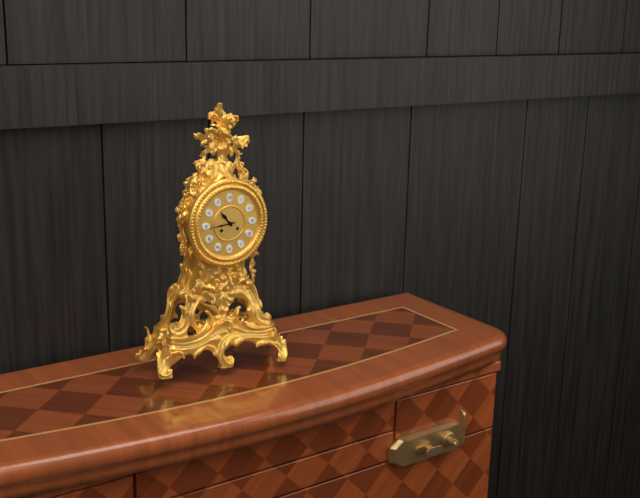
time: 10:44
